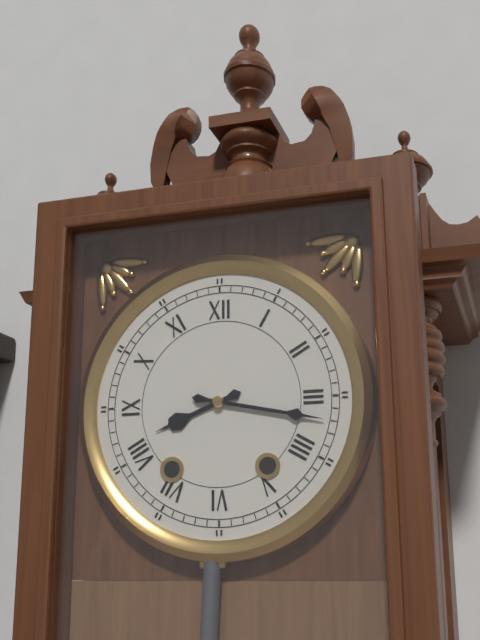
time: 8:17
